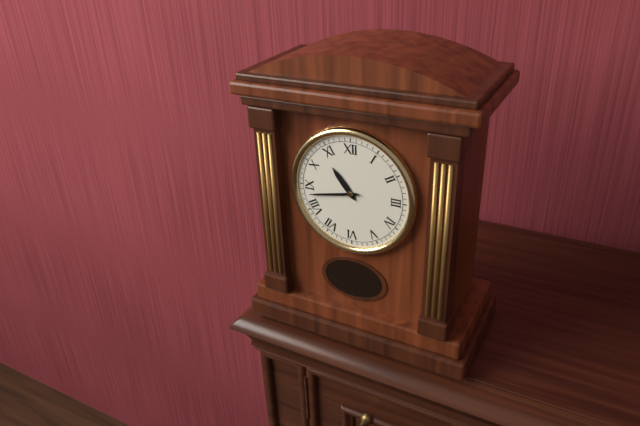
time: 10:43
